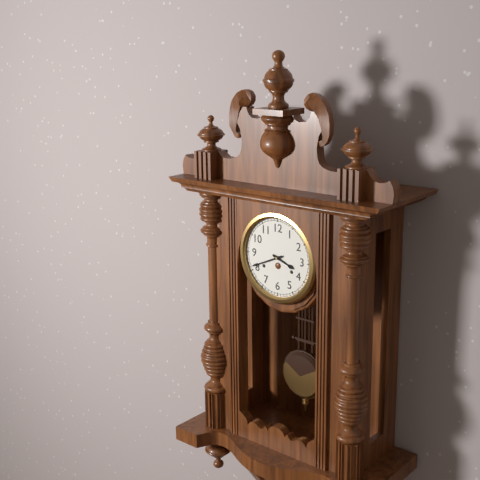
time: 3:41
